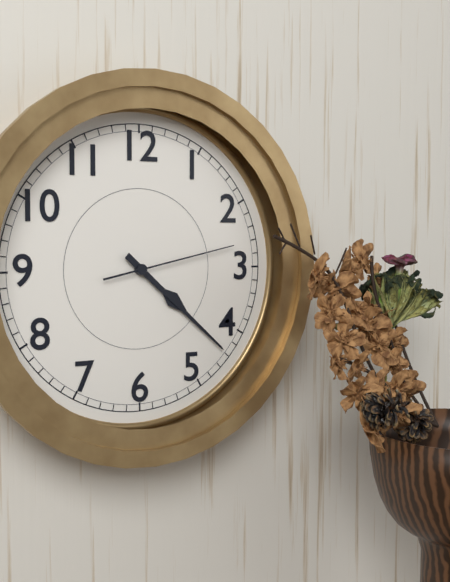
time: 4:22:13
